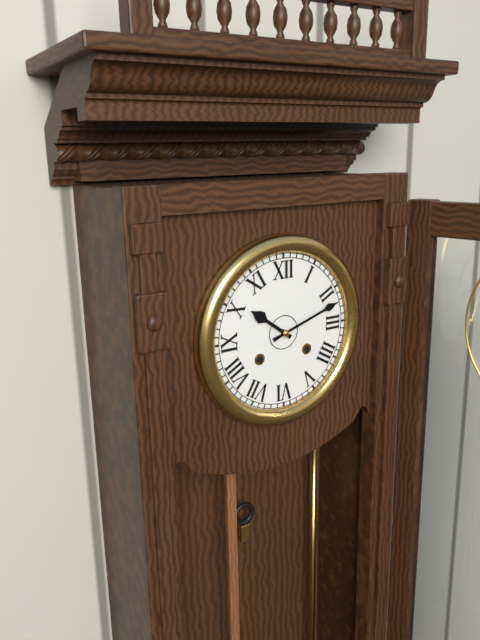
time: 10:12
